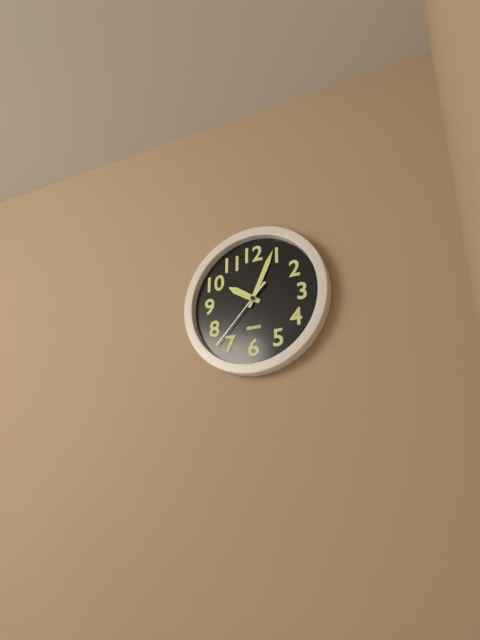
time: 10:04:37
